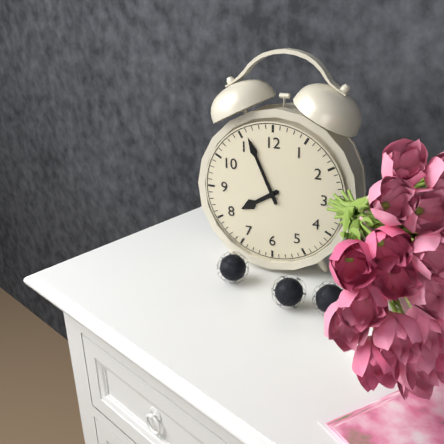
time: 7:56
